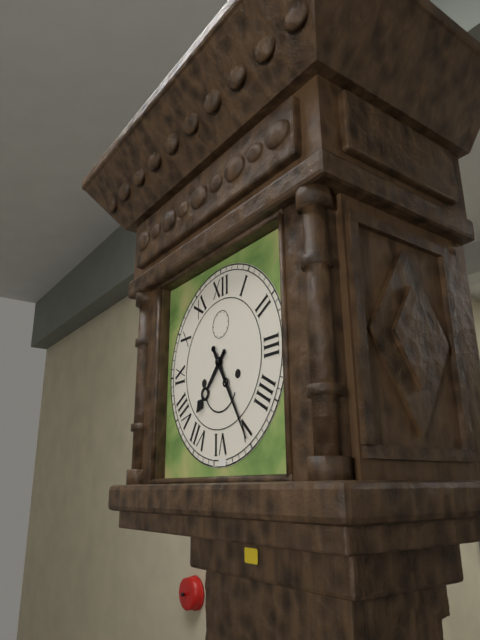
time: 7:25
